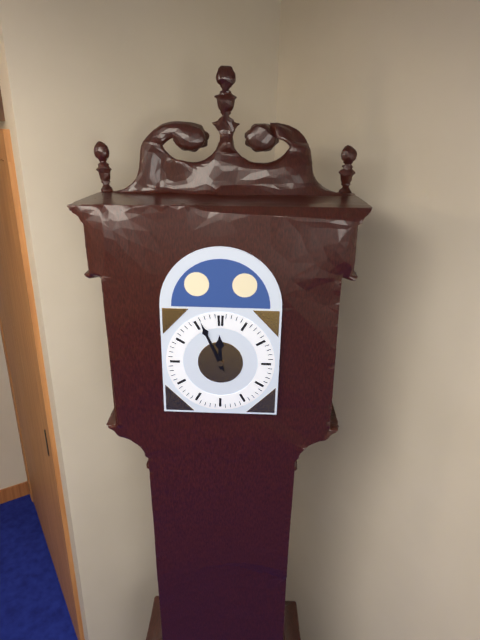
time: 11:56
